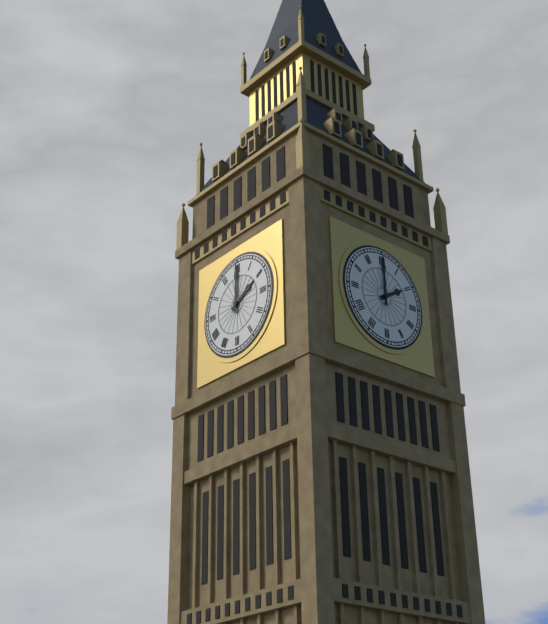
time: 2:00
